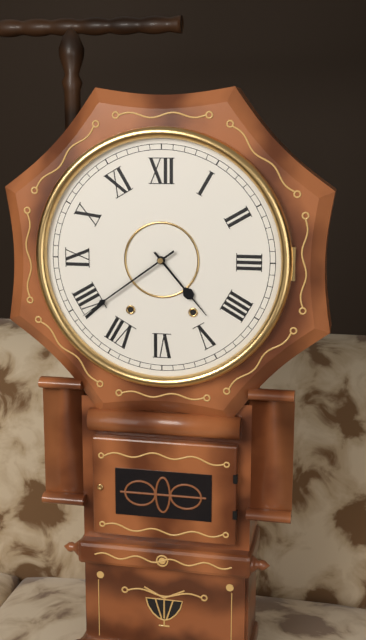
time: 4:39
